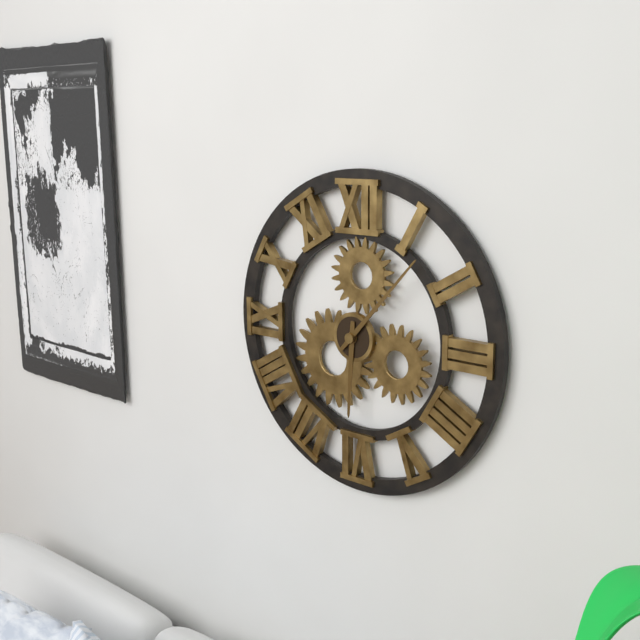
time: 6:07
